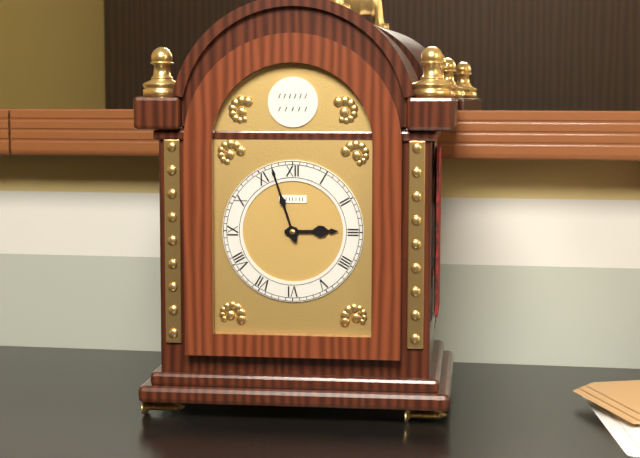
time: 2:57
